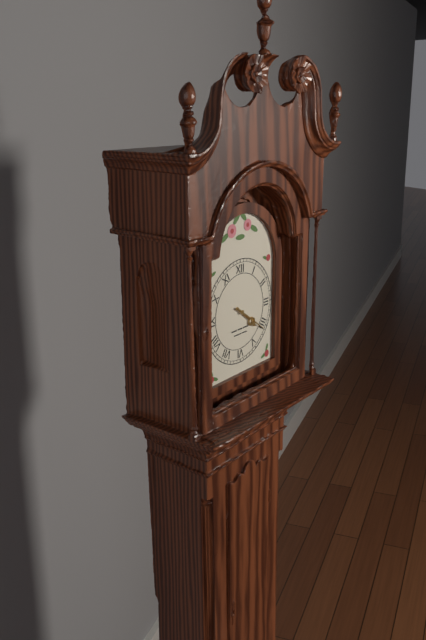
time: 4:21
